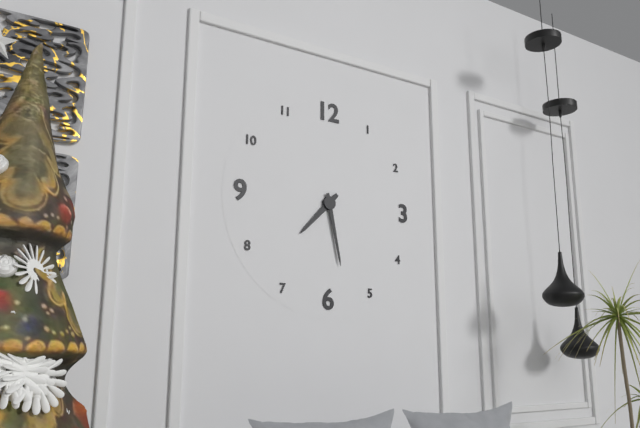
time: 7:28
